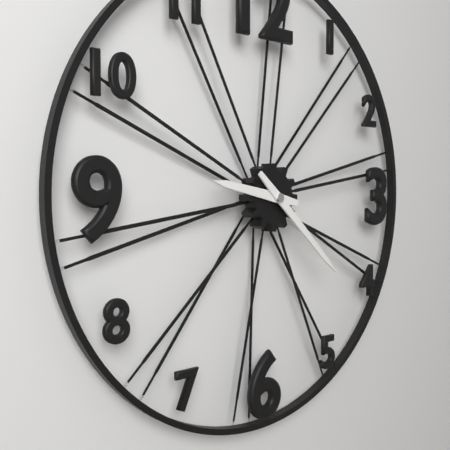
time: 9:22
